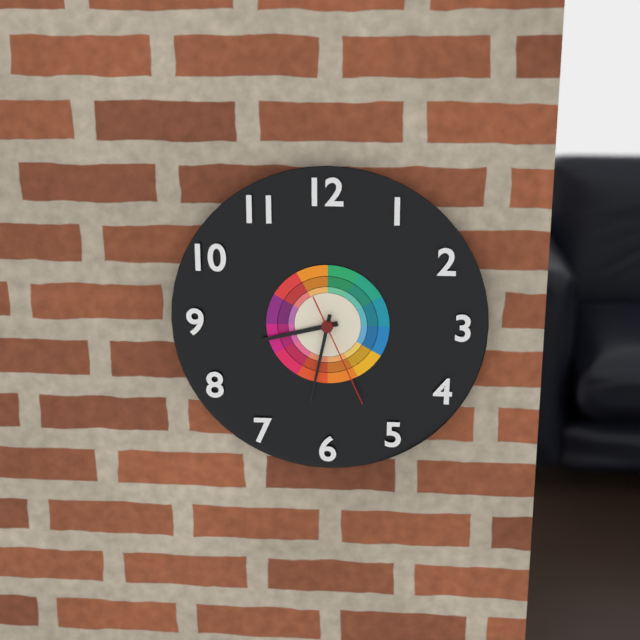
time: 8:32:26
